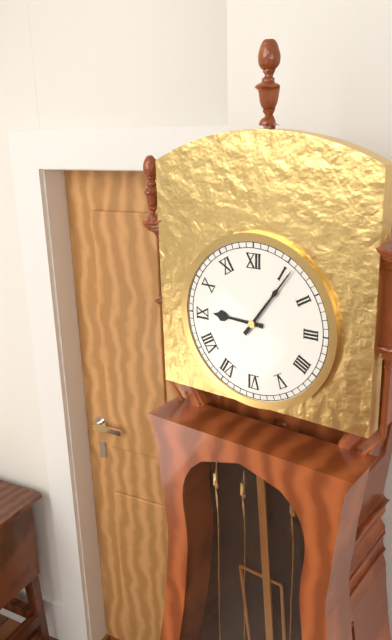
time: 9:06
